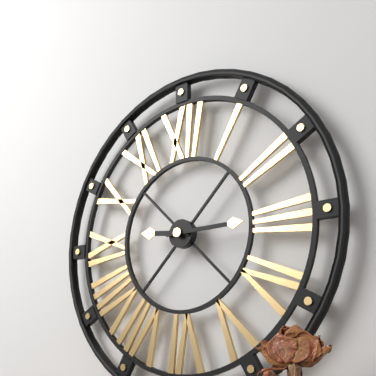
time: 9:15
